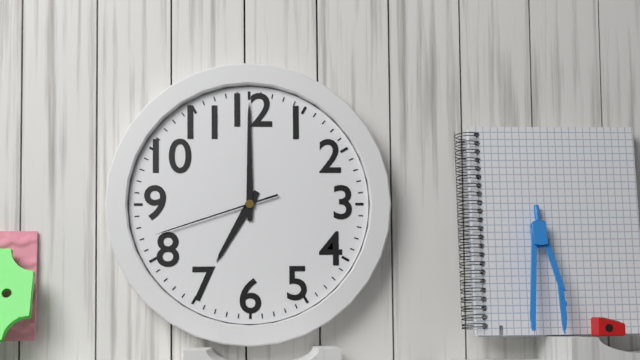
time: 7:00:42
